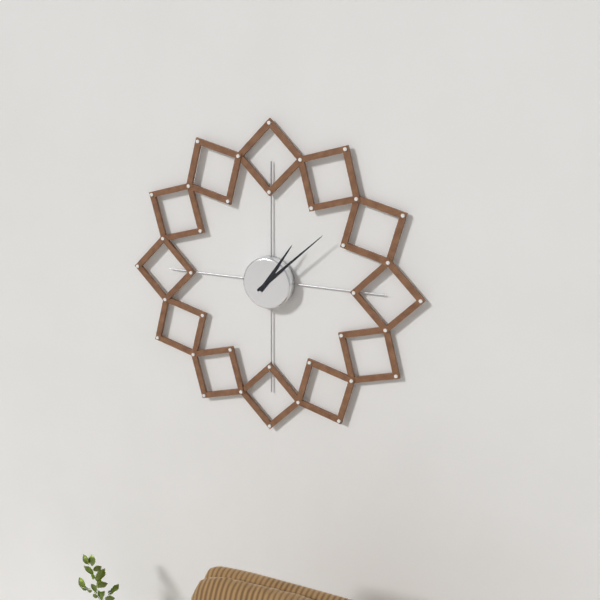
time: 1:08
